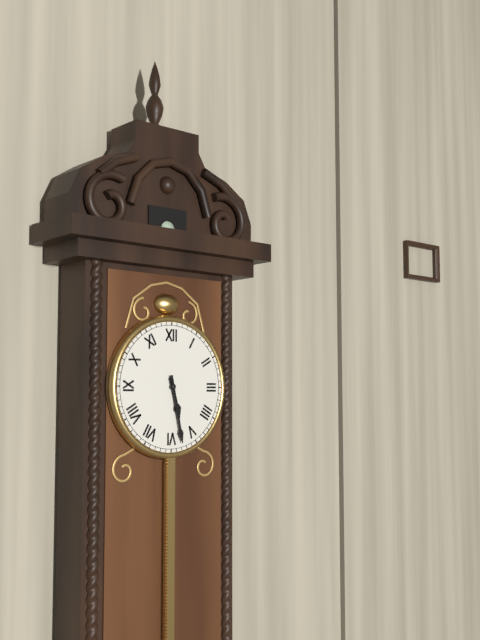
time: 5:28
